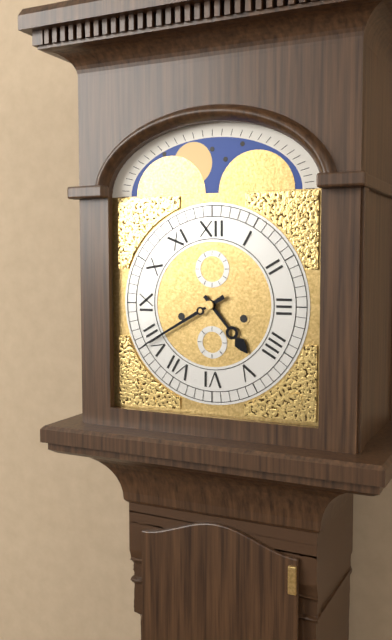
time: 4:40
